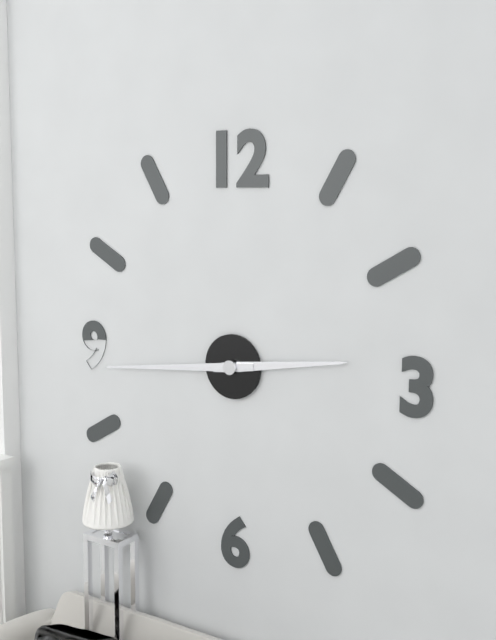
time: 2:44
